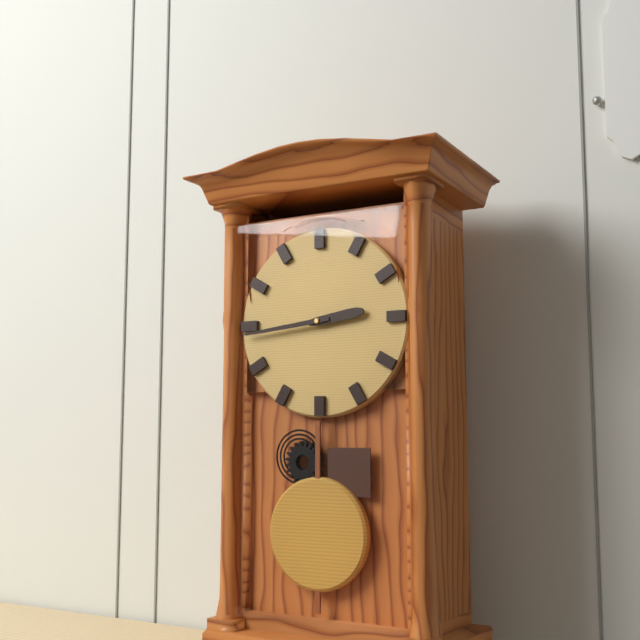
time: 2:44
